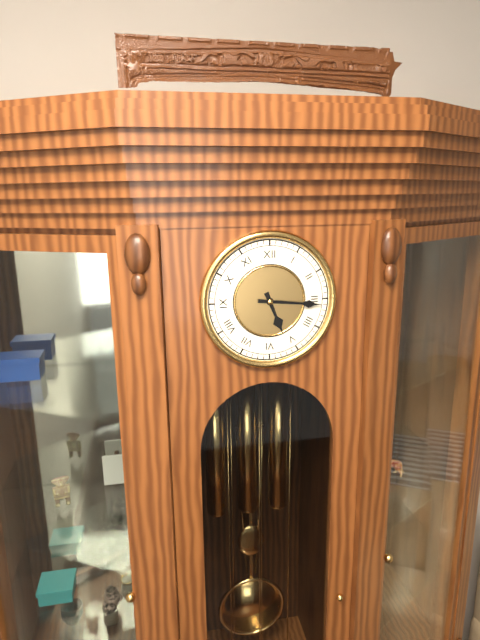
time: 5:16
